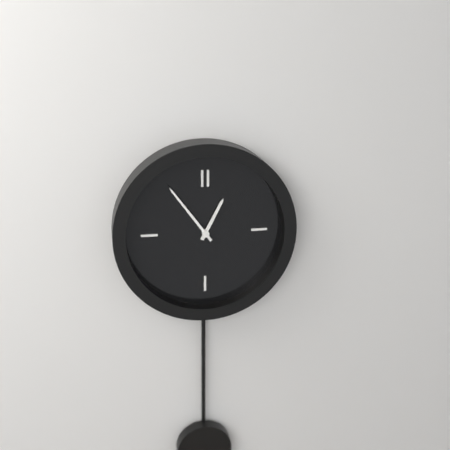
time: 12:54
